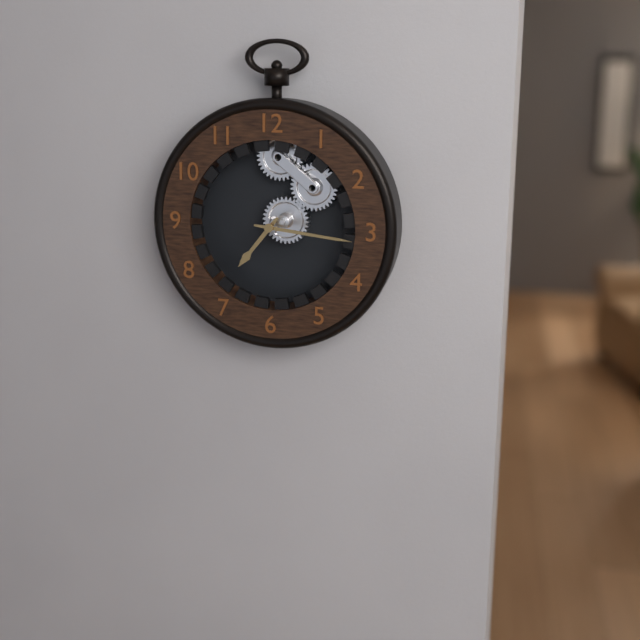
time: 7:16
